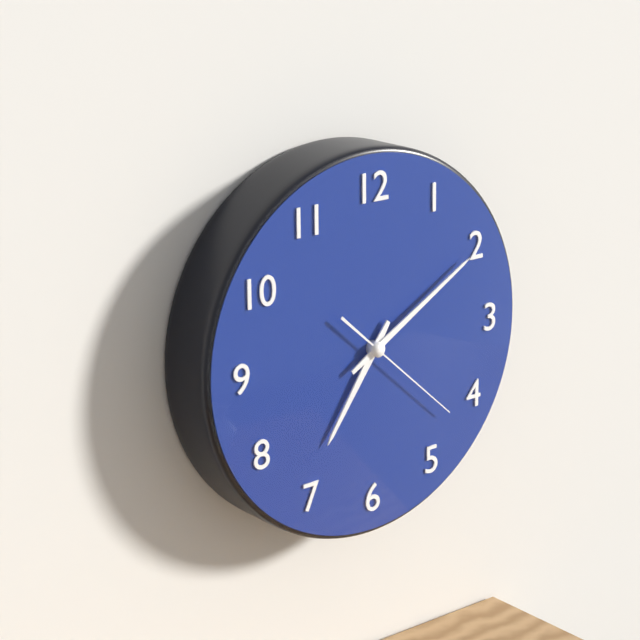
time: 7:10:22
